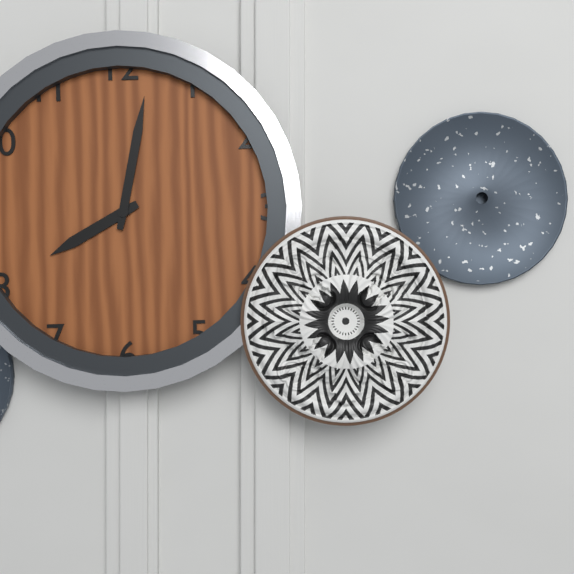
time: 8:02
